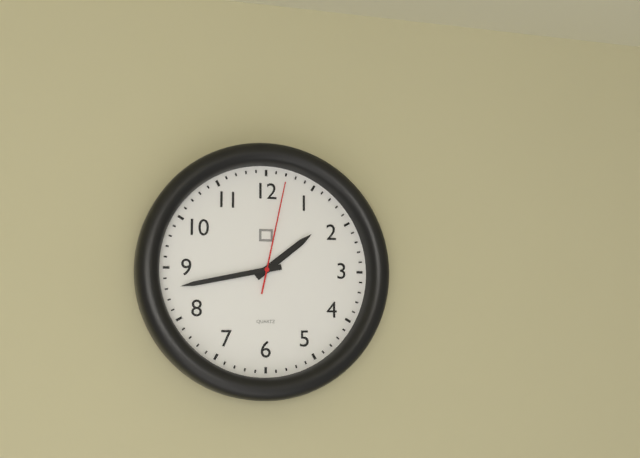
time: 1:43:02
